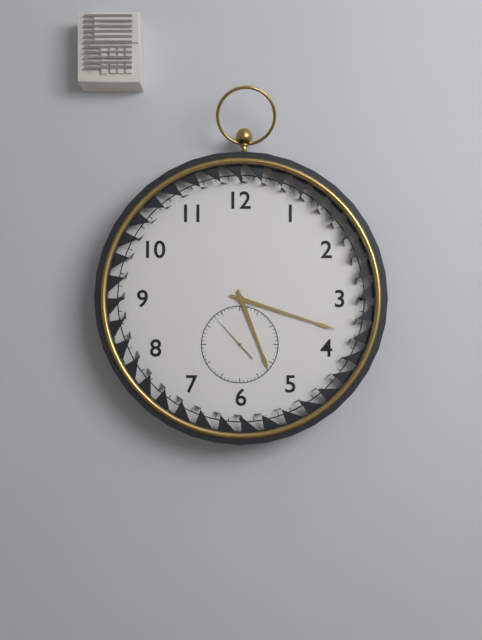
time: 5:18
